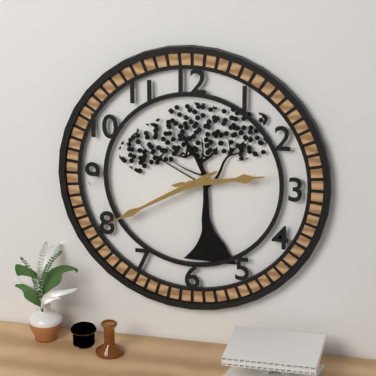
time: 2:40
